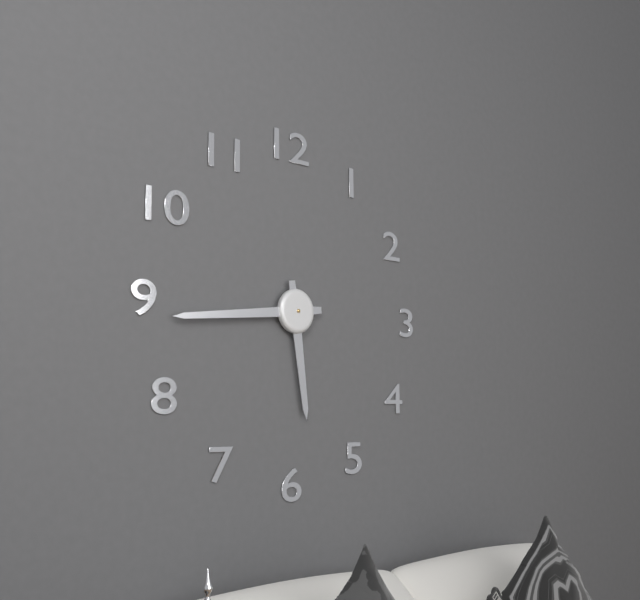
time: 5:44
